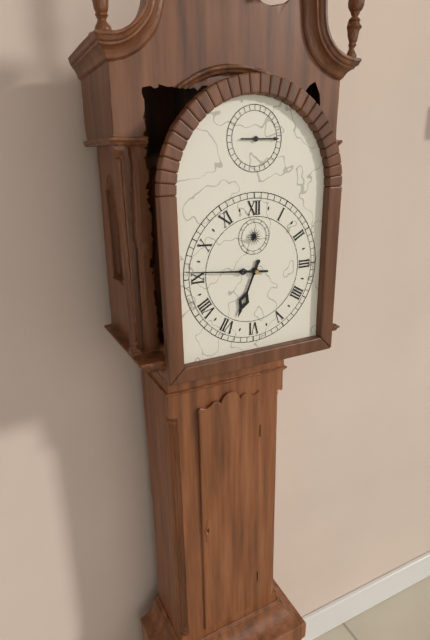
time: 6:46
